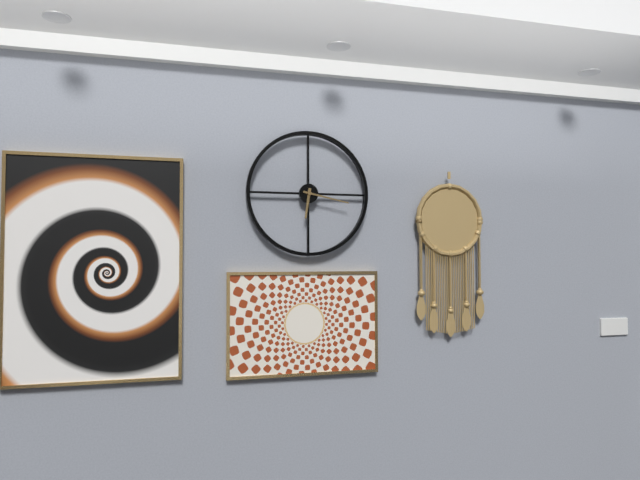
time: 6:17
